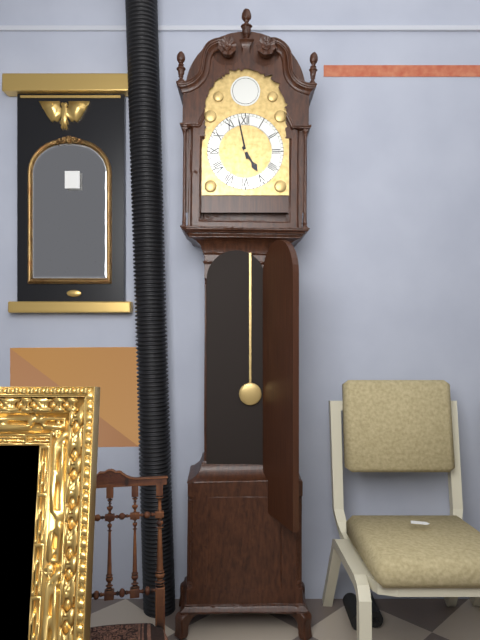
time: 4:58
